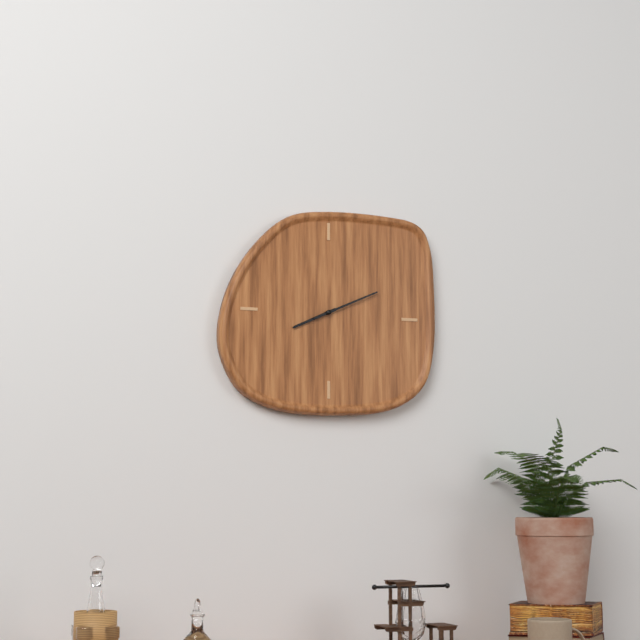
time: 8:11
